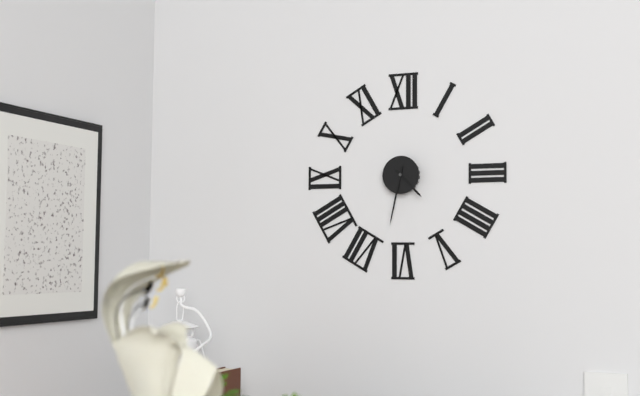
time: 4:32
